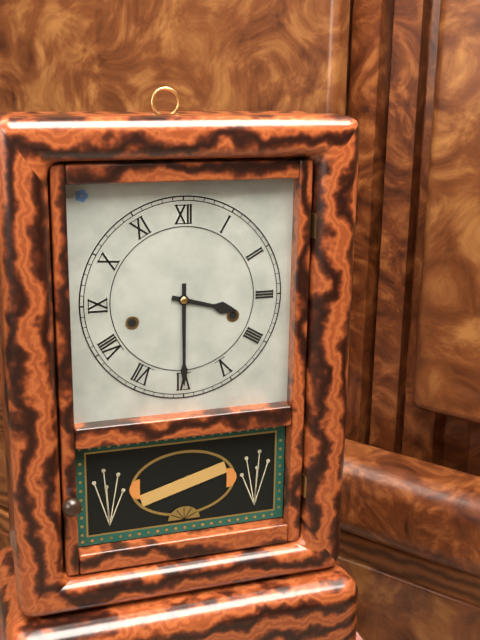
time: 3:30
